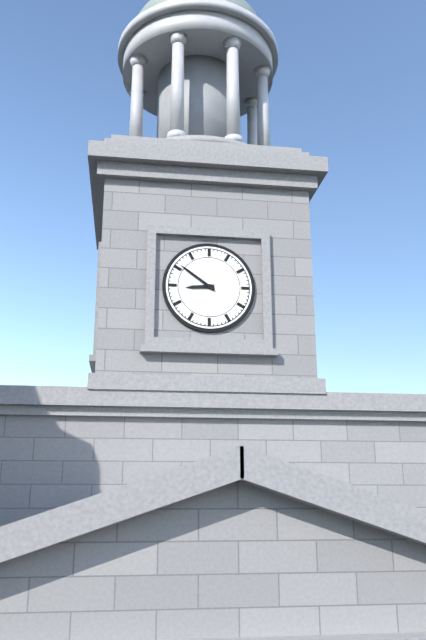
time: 8:51
